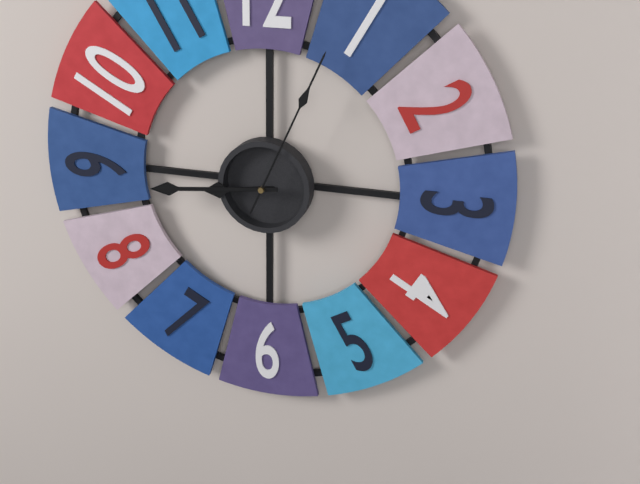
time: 8:44:04
